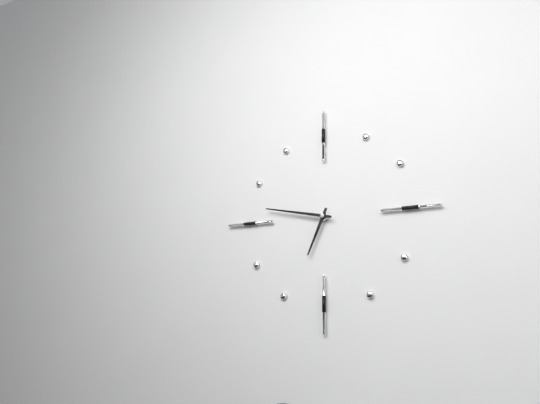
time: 6:47
